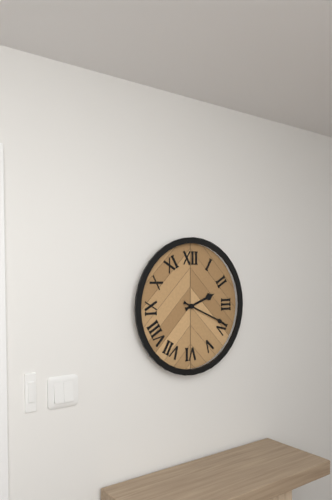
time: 2:19
